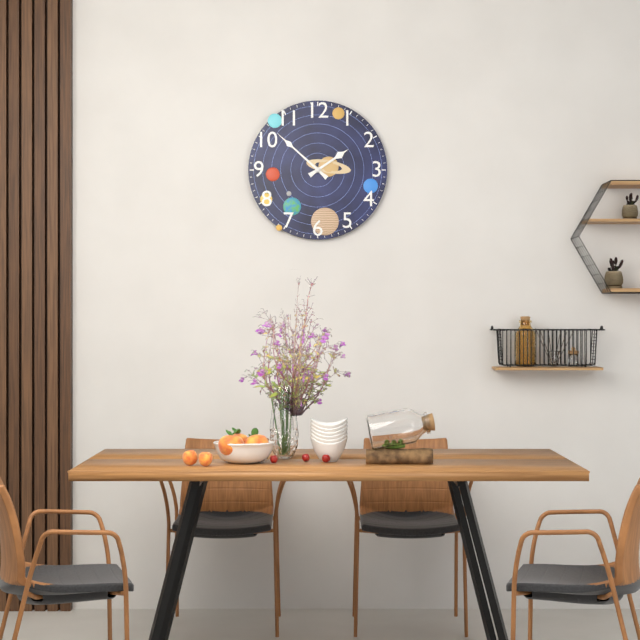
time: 1:52
